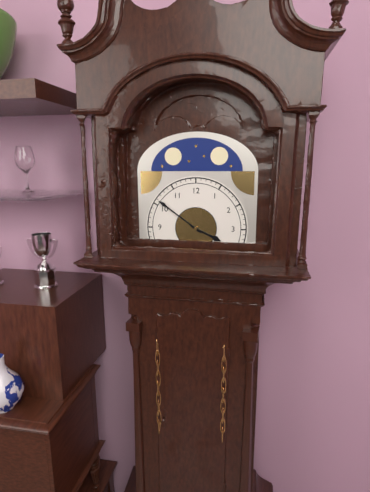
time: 3:51
